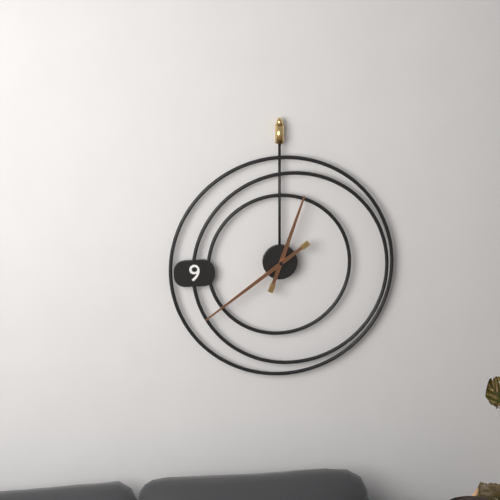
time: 12:39
